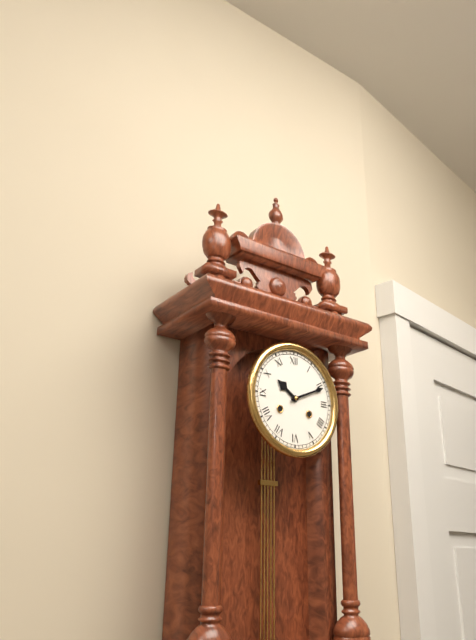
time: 10:11
